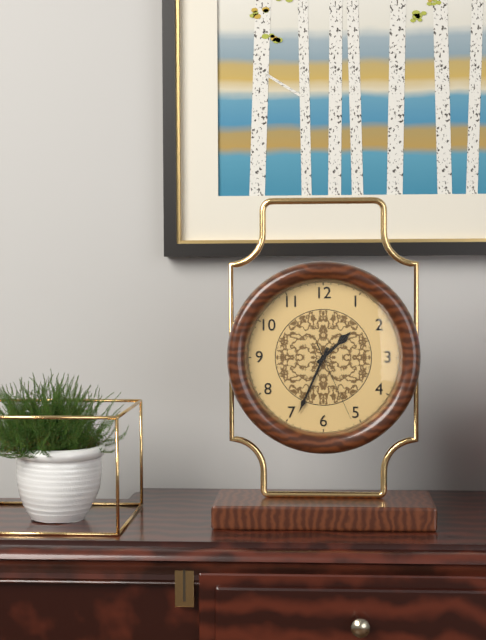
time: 1:34:26
